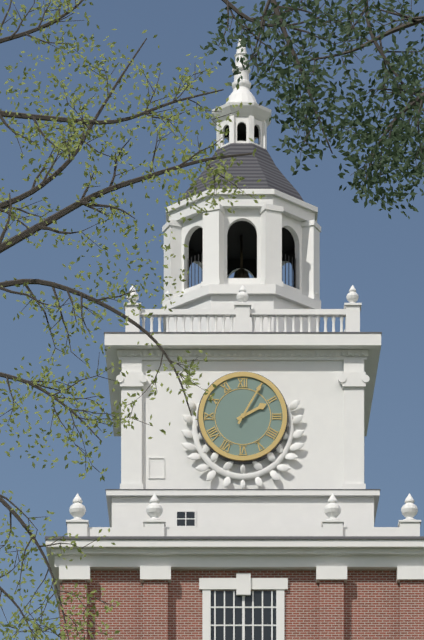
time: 2:05
